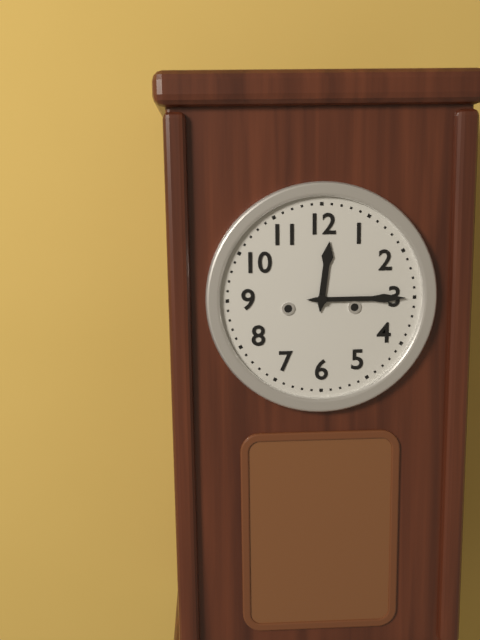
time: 12:15
